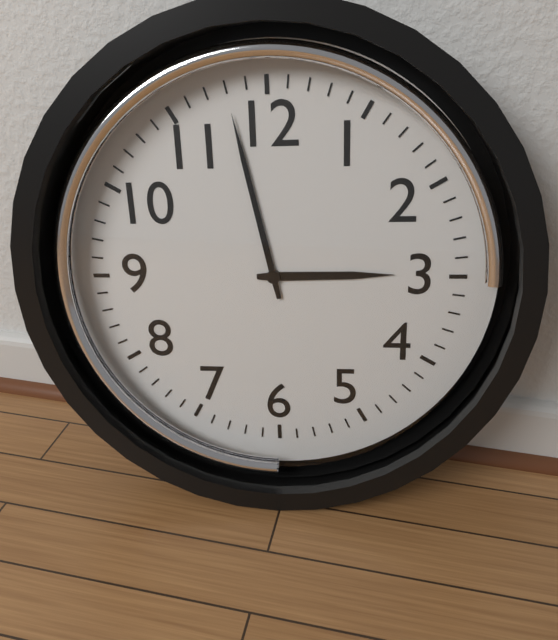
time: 2:58
